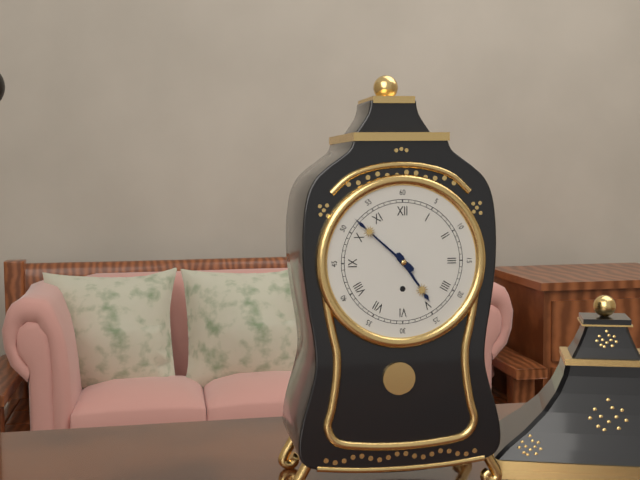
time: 4:52
